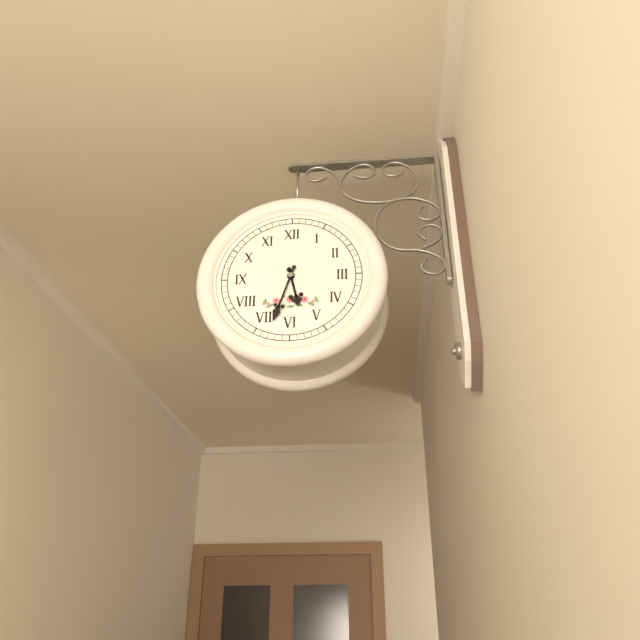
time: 5:33
